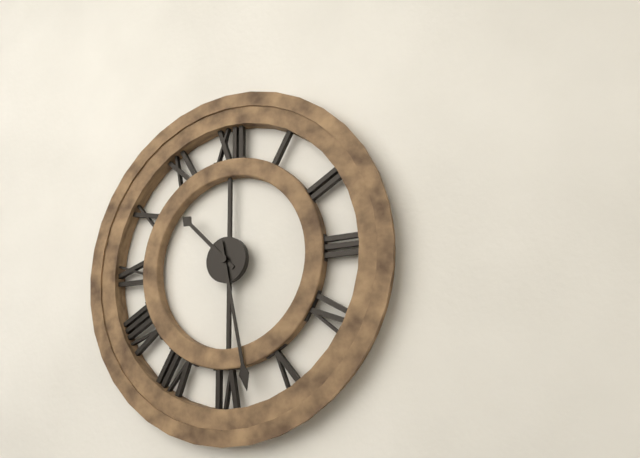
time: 10:28
